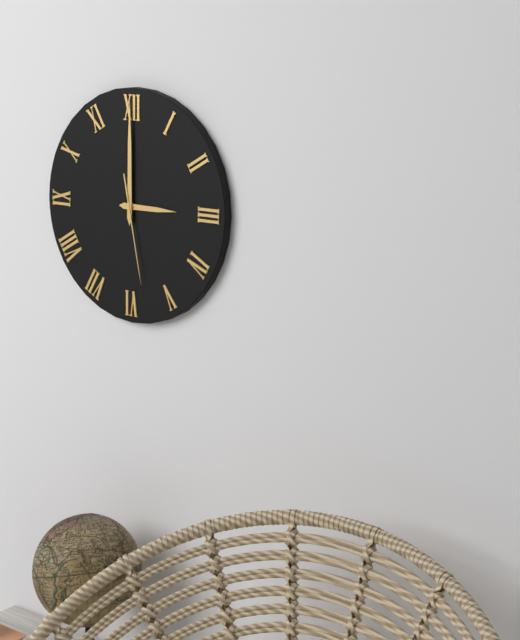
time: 3:00:28
